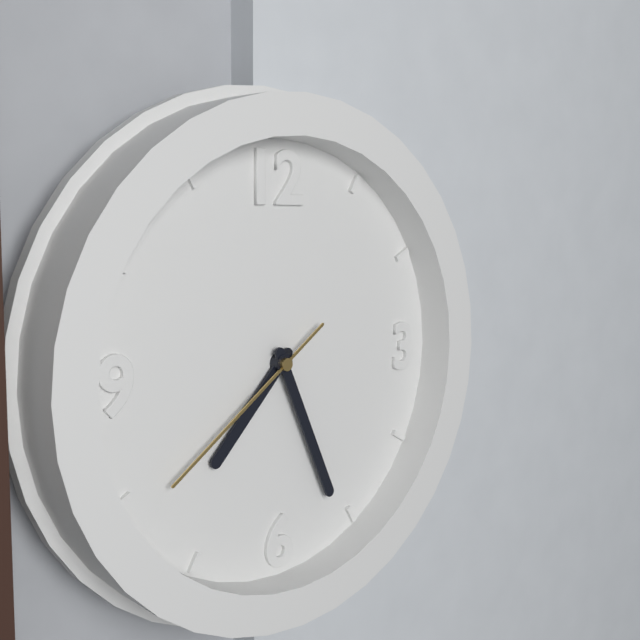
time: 7:26:39
